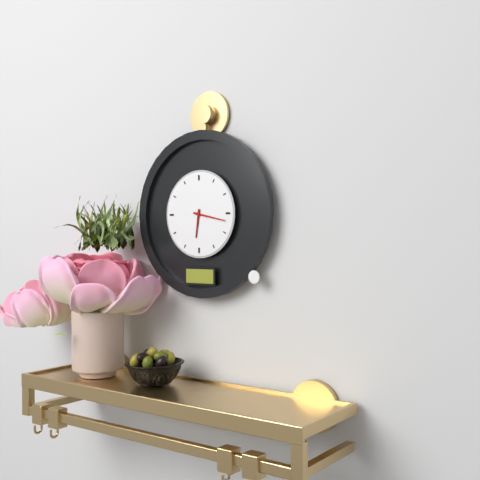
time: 6:17
